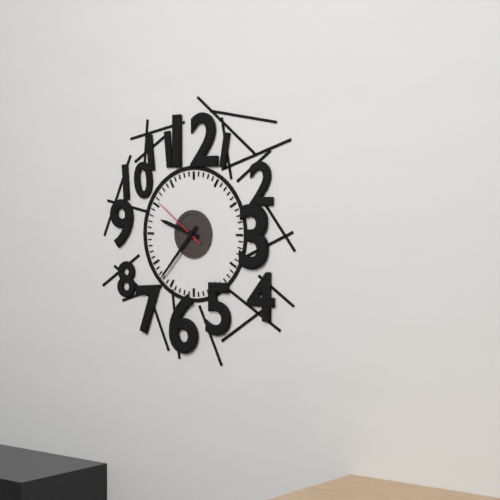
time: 9:37:51
